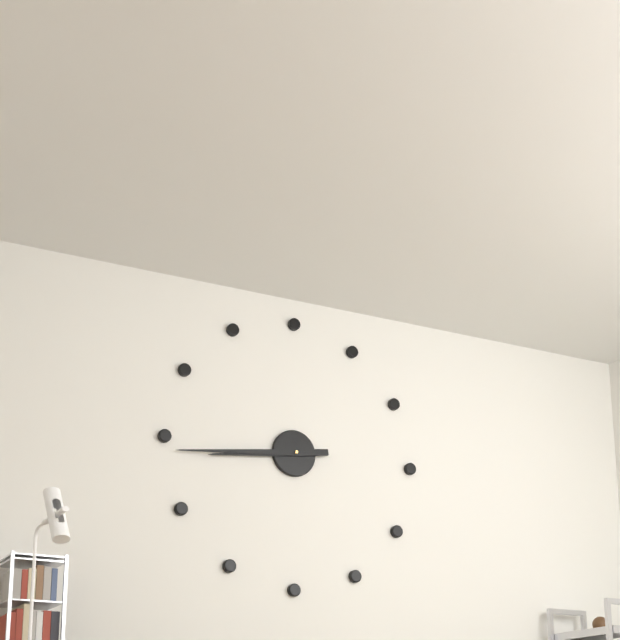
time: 8:44
